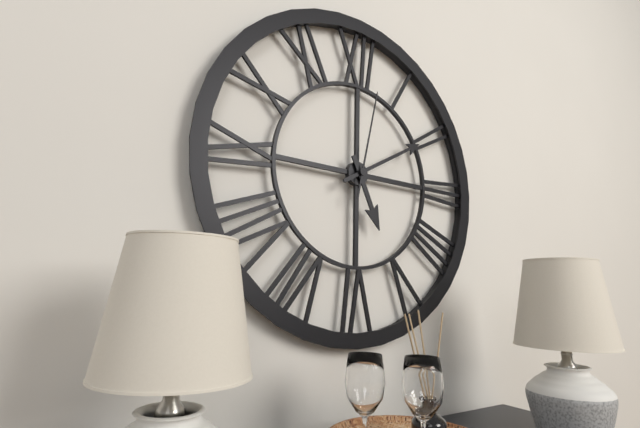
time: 5:10:02
